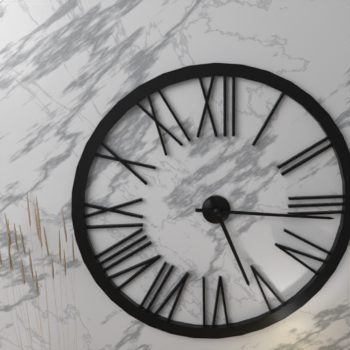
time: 5:16
